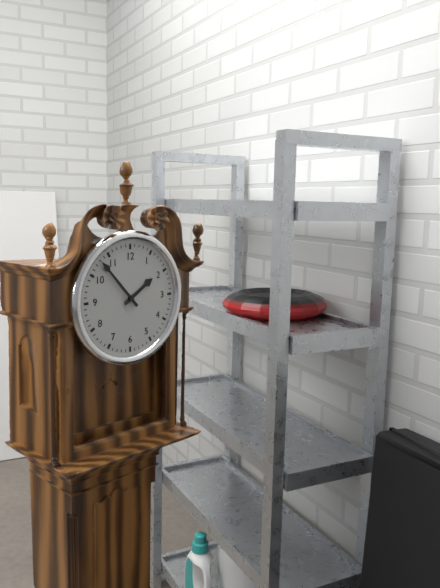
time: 1:53
